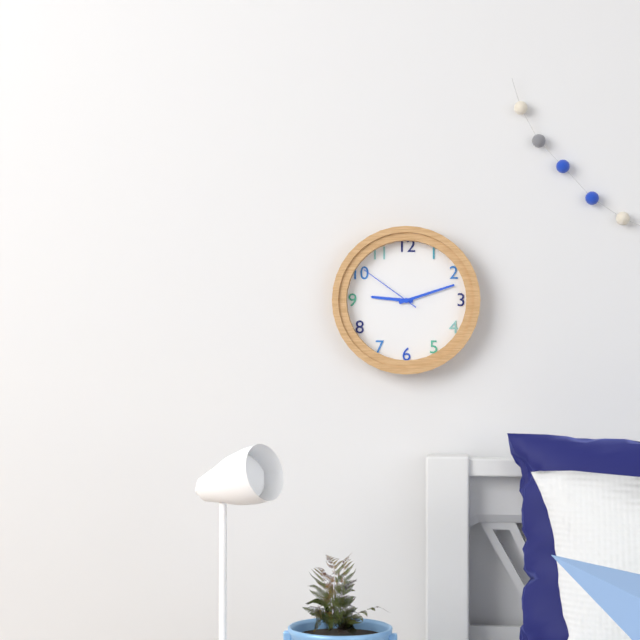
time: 9:12:51
